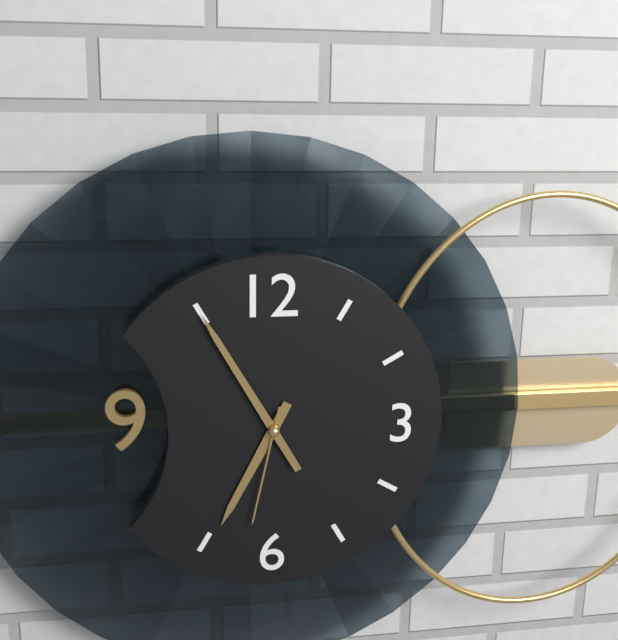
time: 6:55:32
